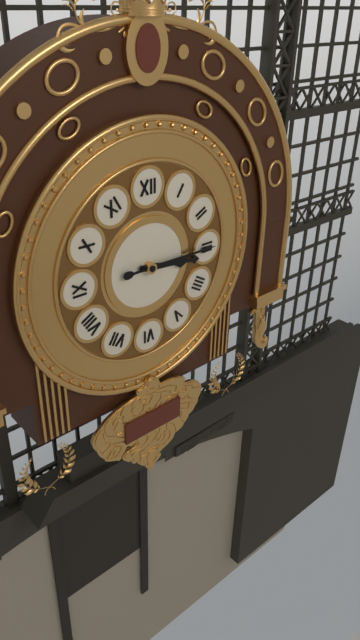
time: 3:15
